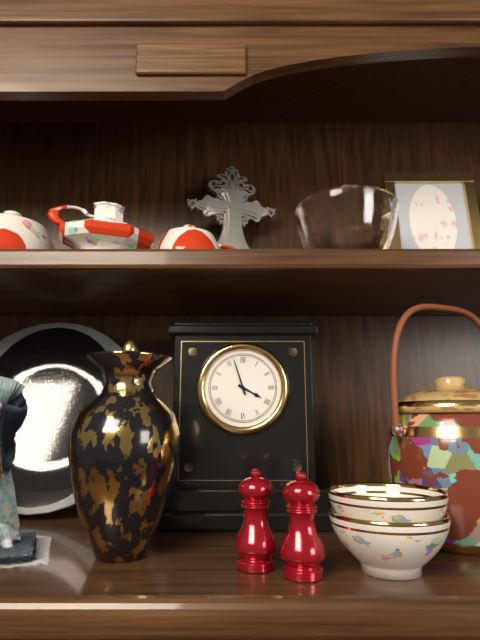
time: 3:57
